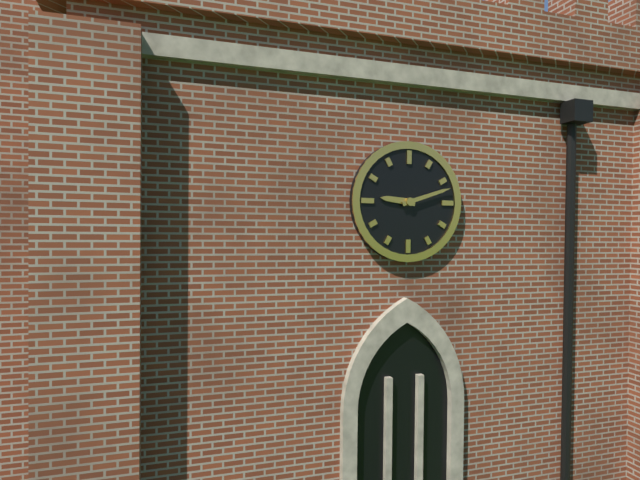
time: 9:12
